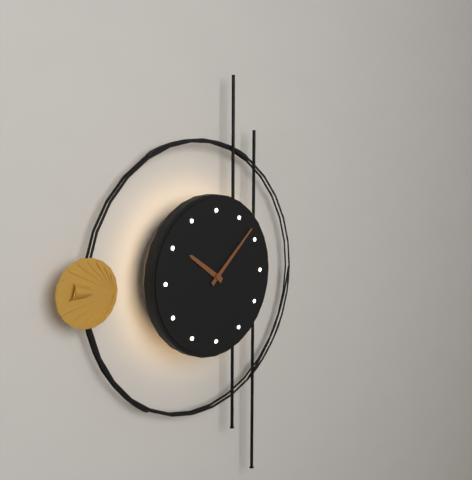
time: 10:08
